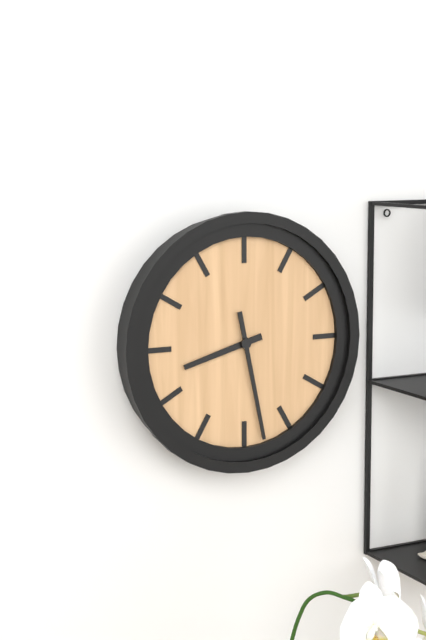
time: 8:28
